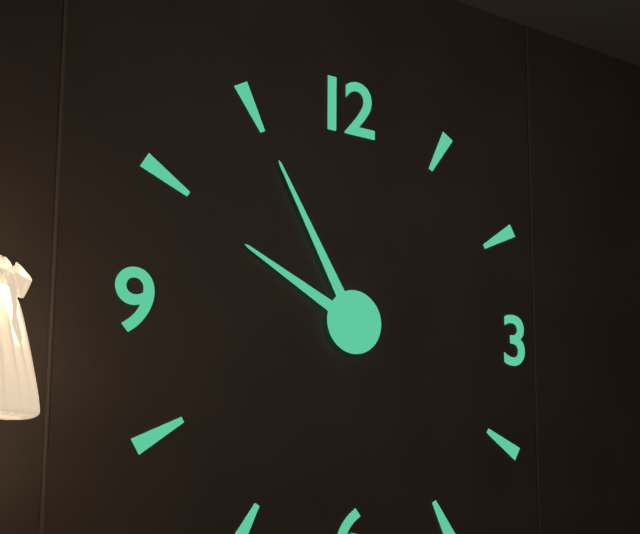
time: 9:55
